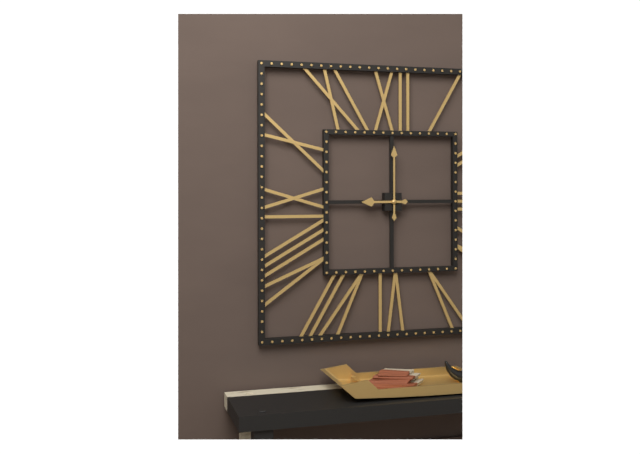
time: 9:00
